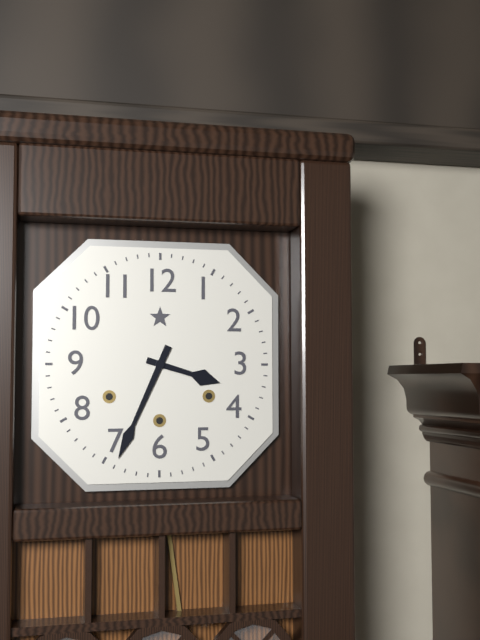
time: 3:34
